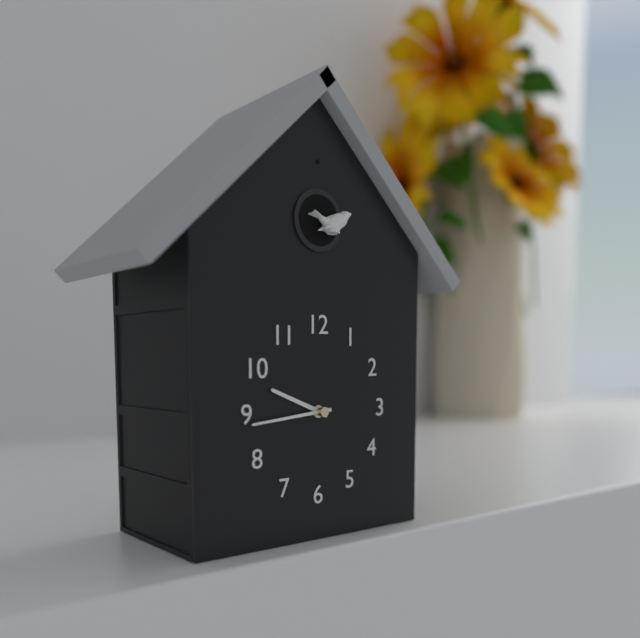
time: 9:44
